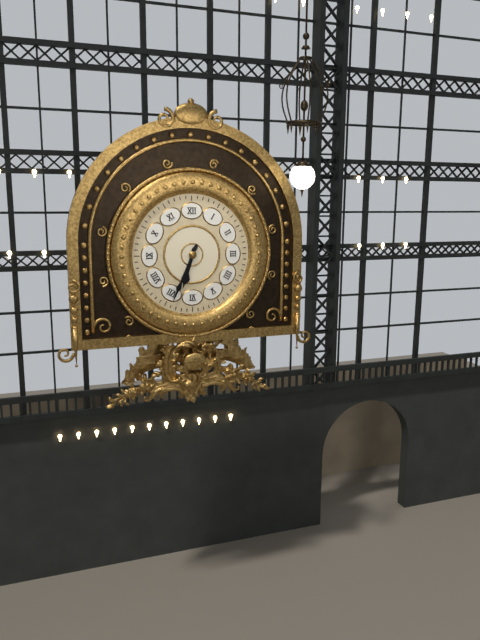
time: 6:34
